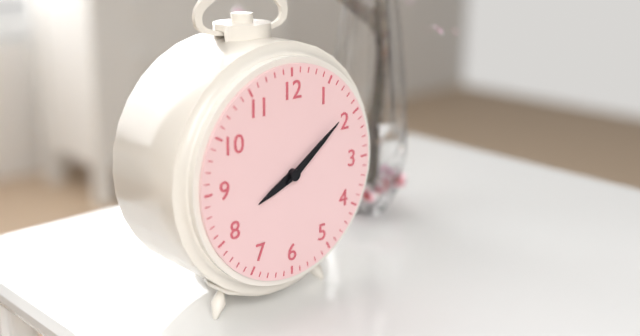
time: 8:09
